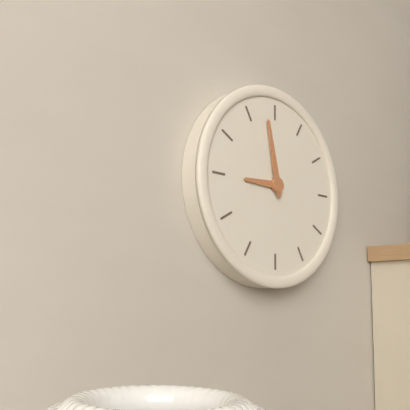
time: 8:58
